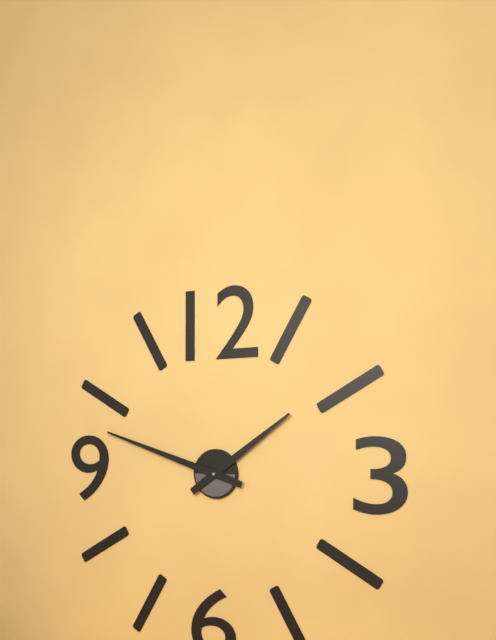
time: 1:48
